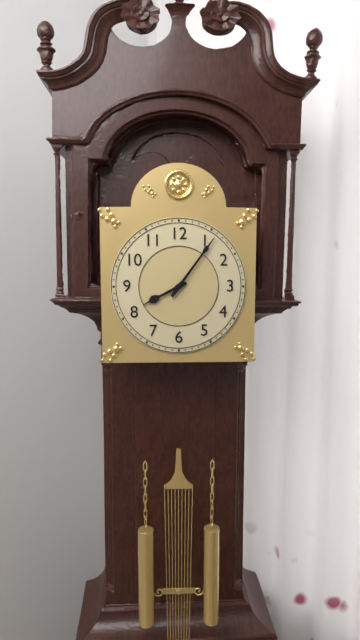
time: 8:06
